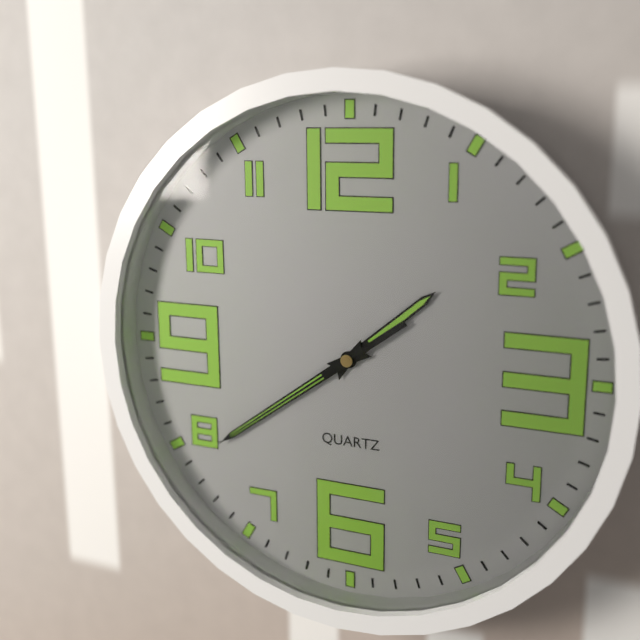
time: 1:39:39
